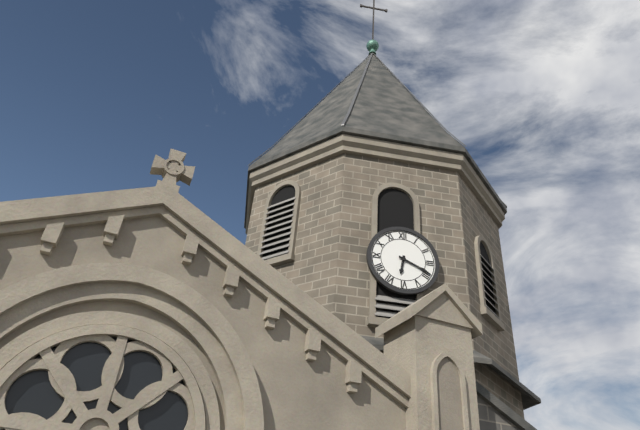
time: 6:19
